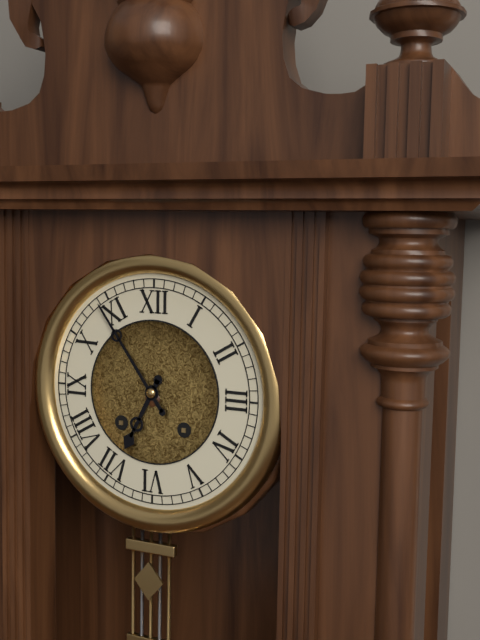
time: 6:54
